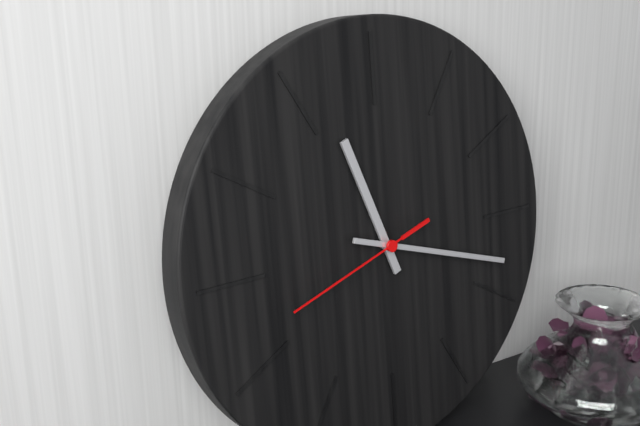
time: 11:18:42
